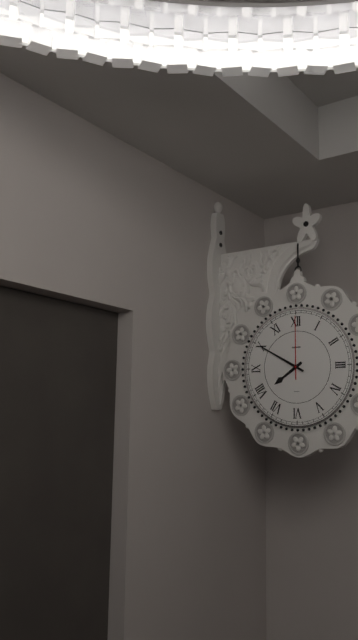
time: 7:50:00
